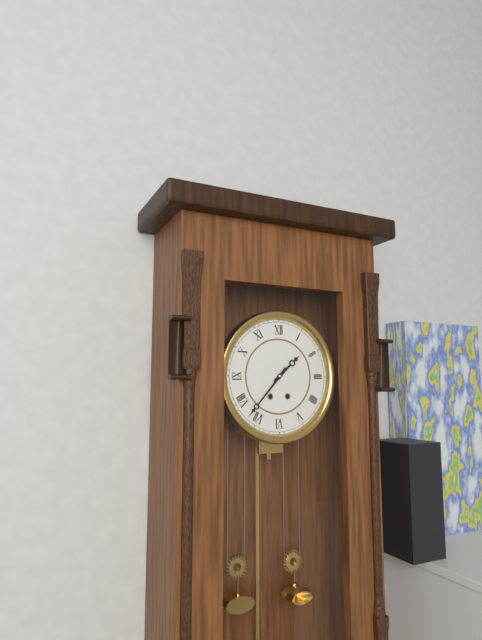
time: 1:37
